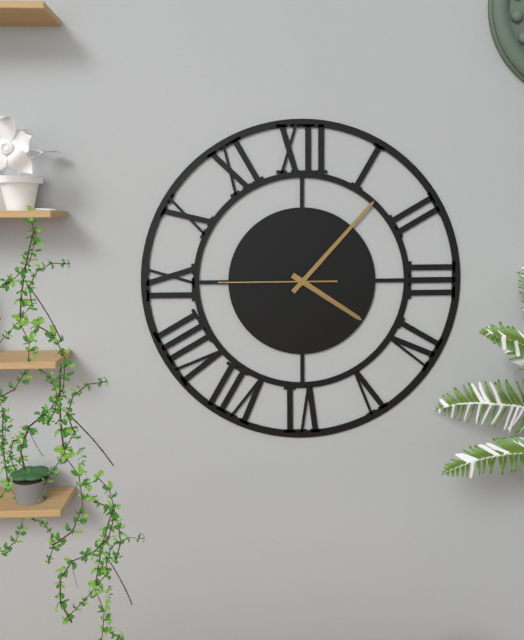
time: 4:07:45
